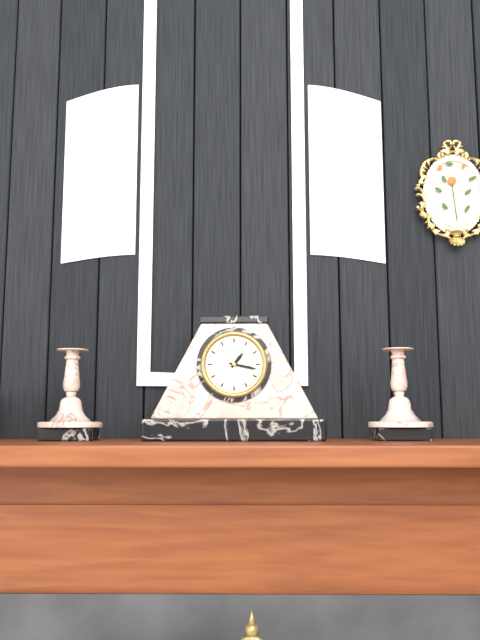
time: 1:17
